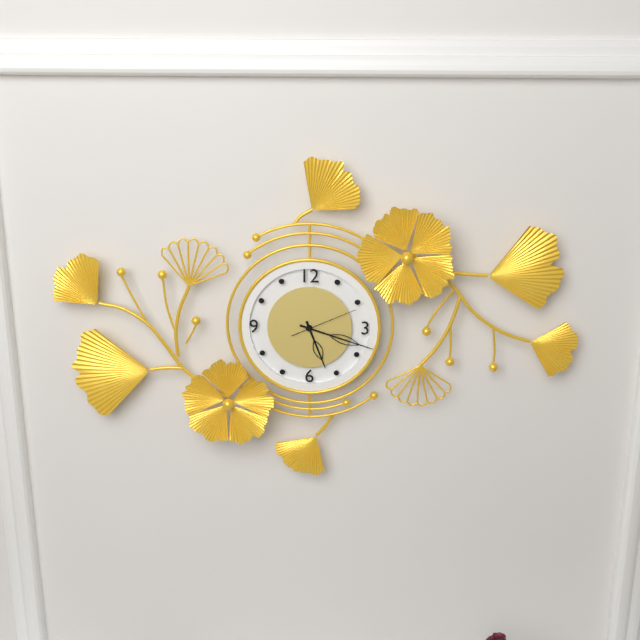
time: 5:18:11
